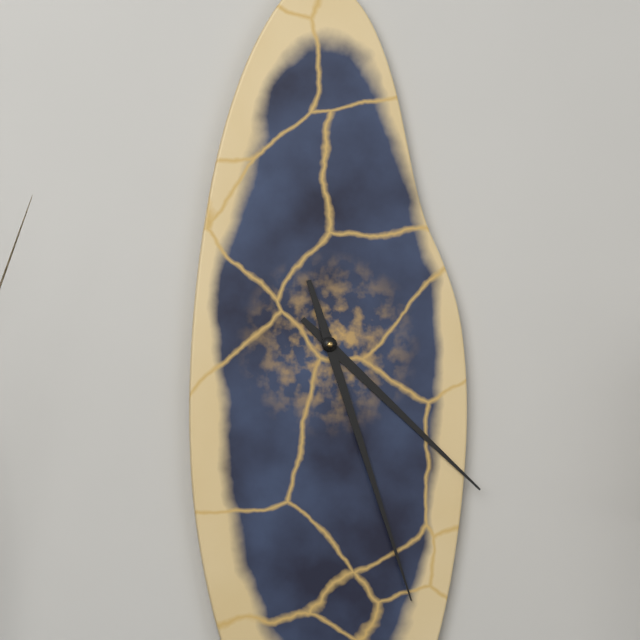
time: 4:27
